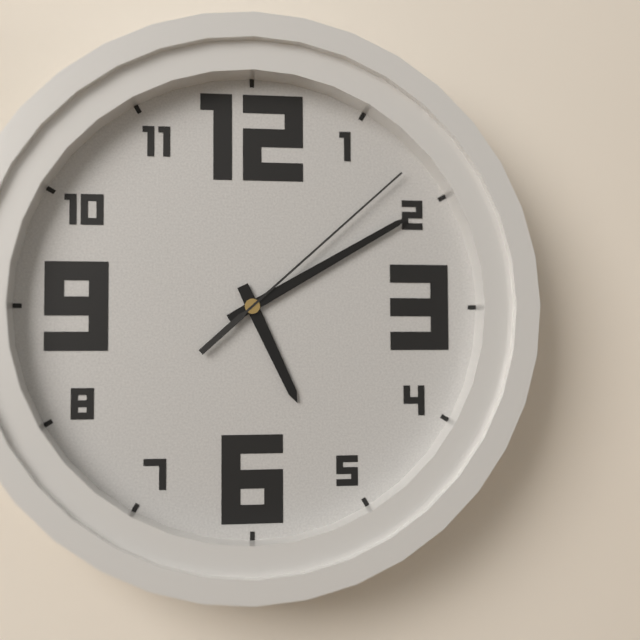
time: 5:10:08
